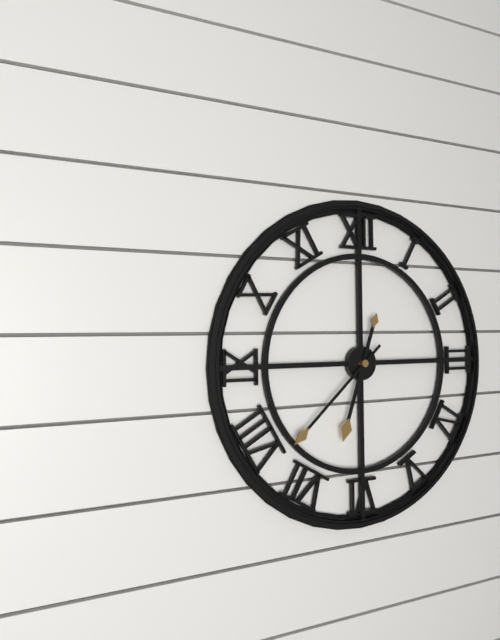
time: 6:38
